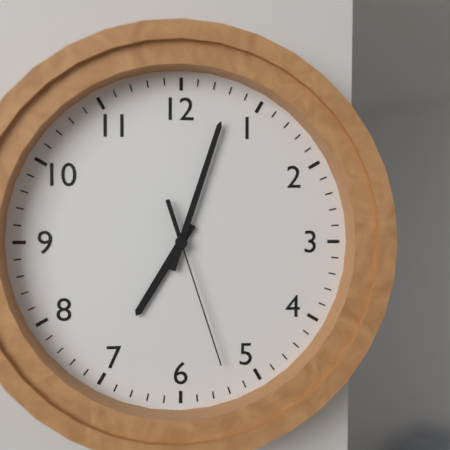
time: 7:03:27
